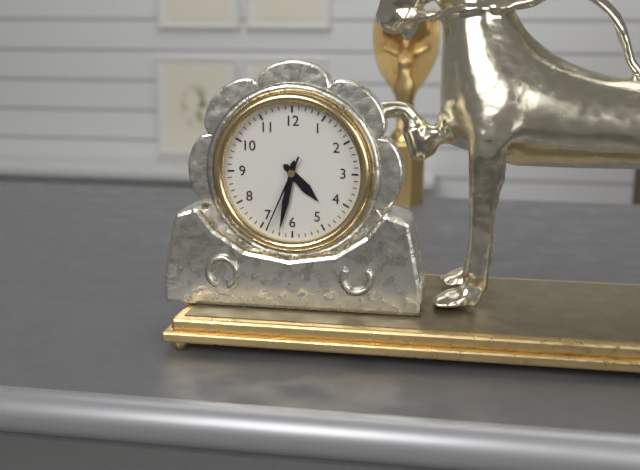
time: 4:32:34
